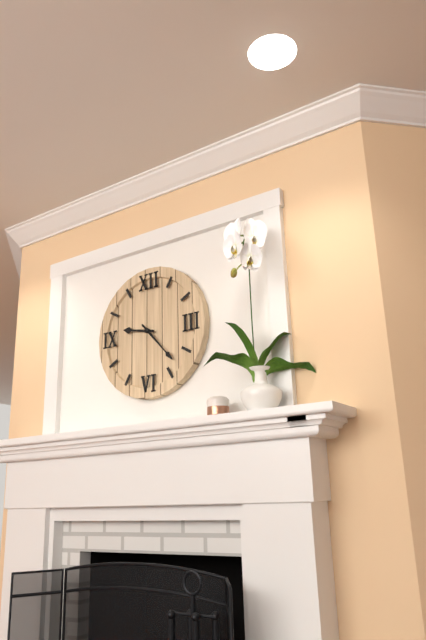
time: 9:23
